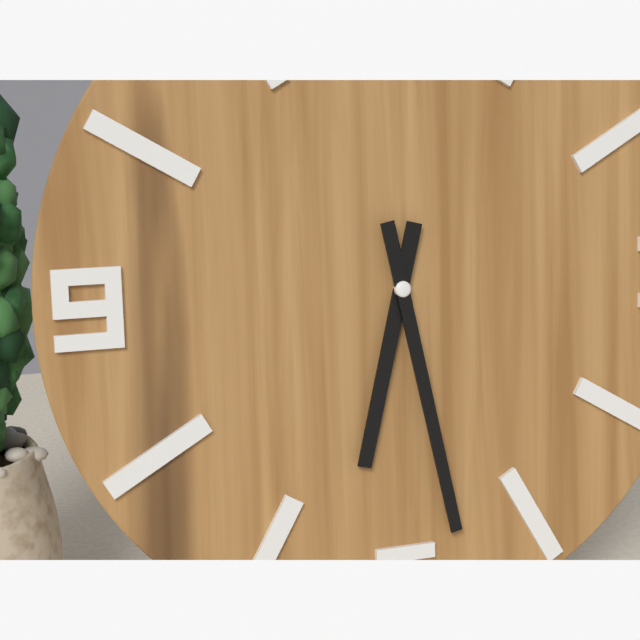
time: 6:28
